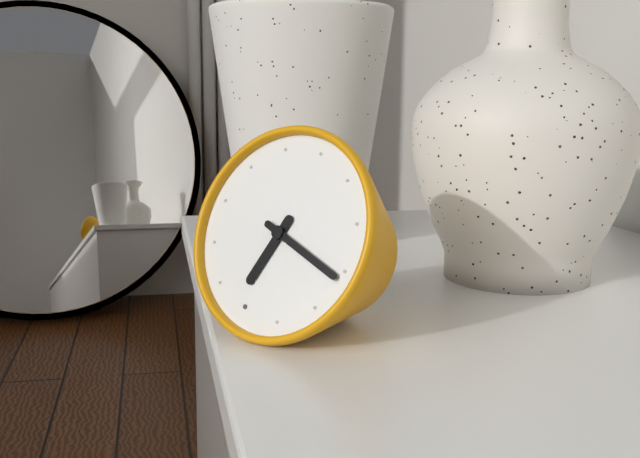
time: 6:16
